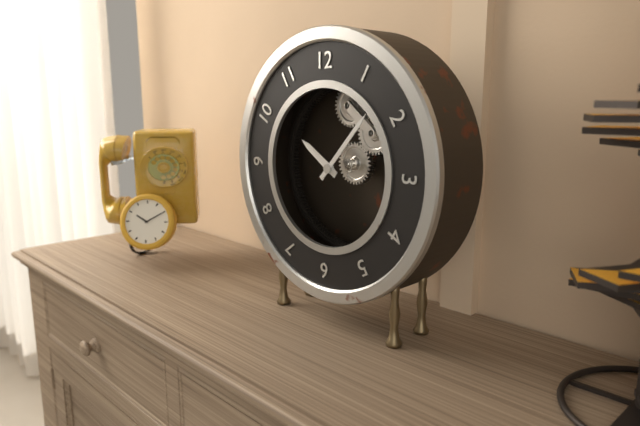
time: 10:07
